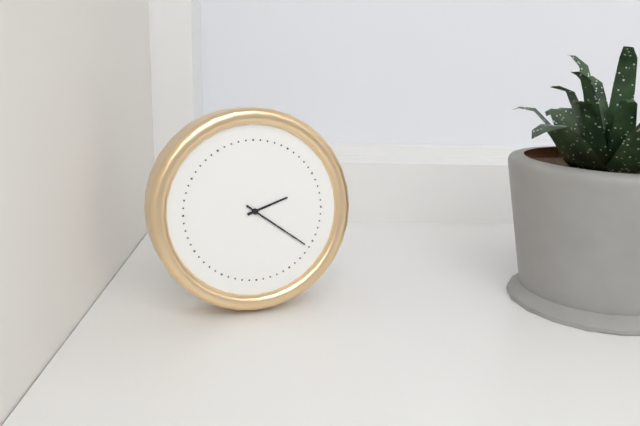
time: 2:21
